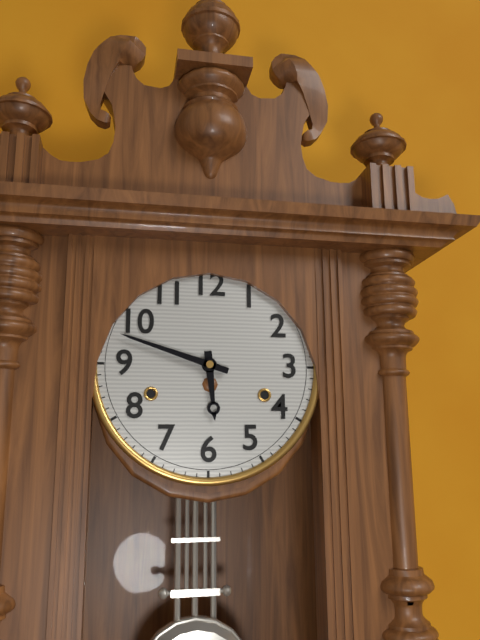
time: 5:48
